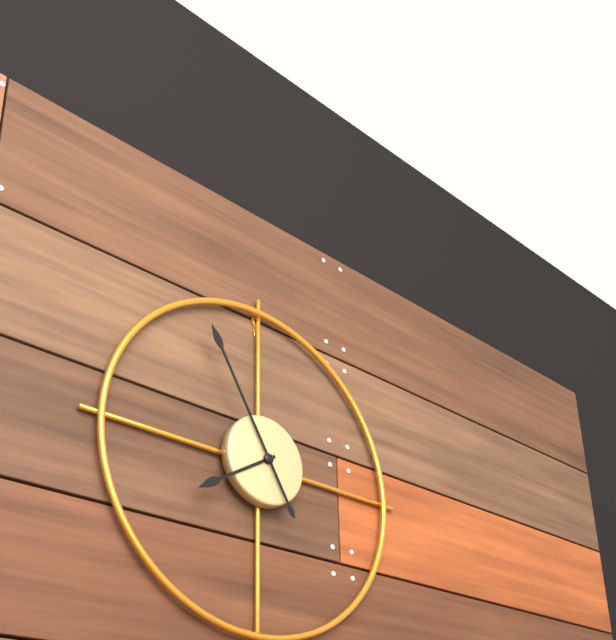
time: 7:55
